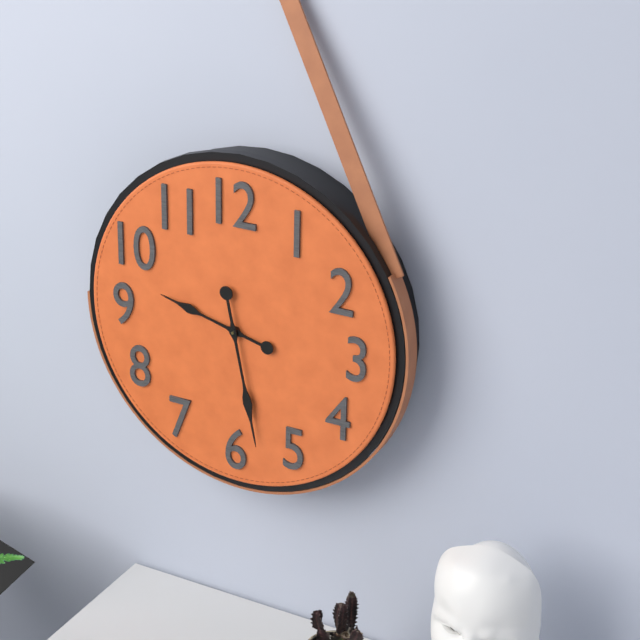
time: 9:28
